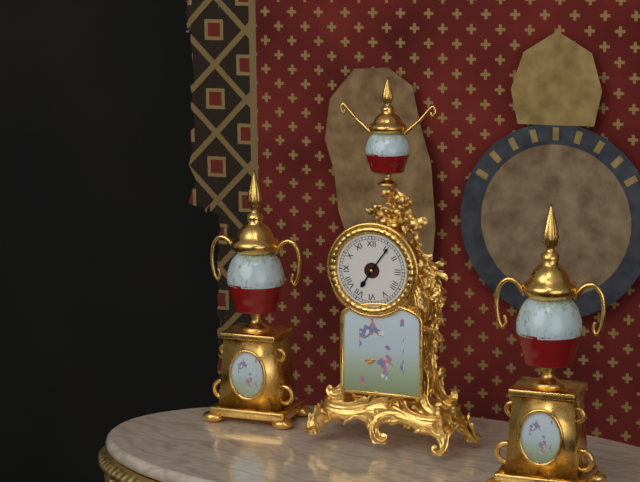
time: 7:06
